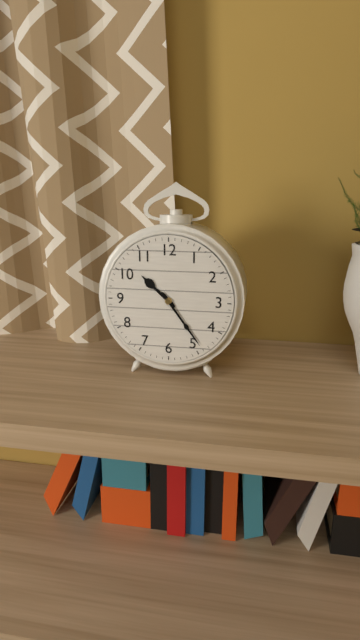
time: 10:24
